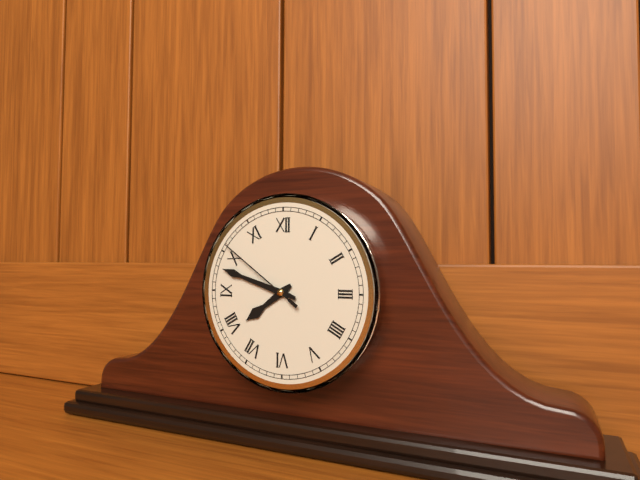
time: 7:48:51
